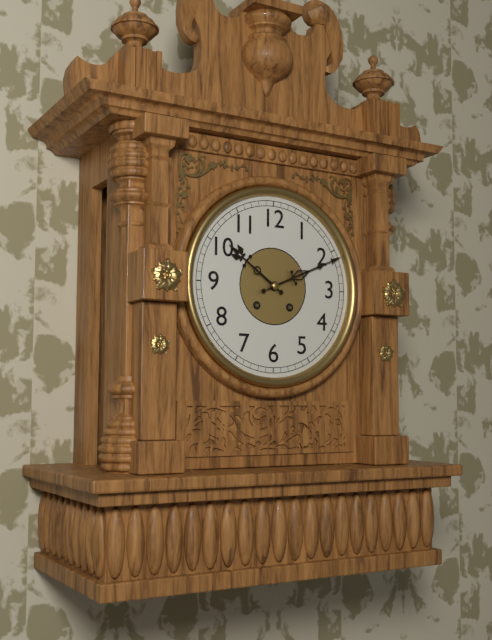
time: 10:11
